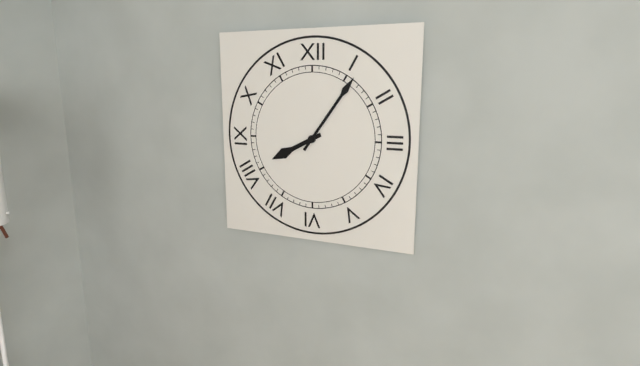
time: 8:06
